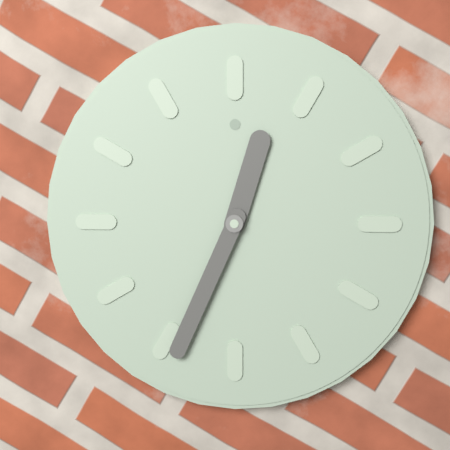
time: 12:34
